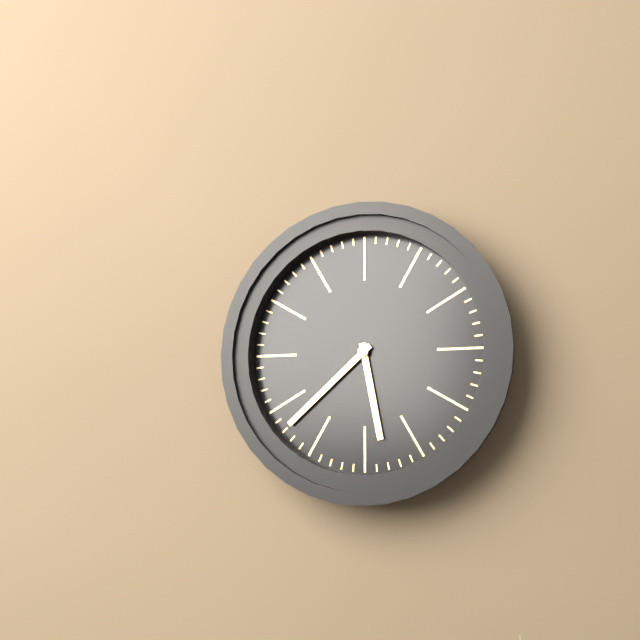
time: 5:38
